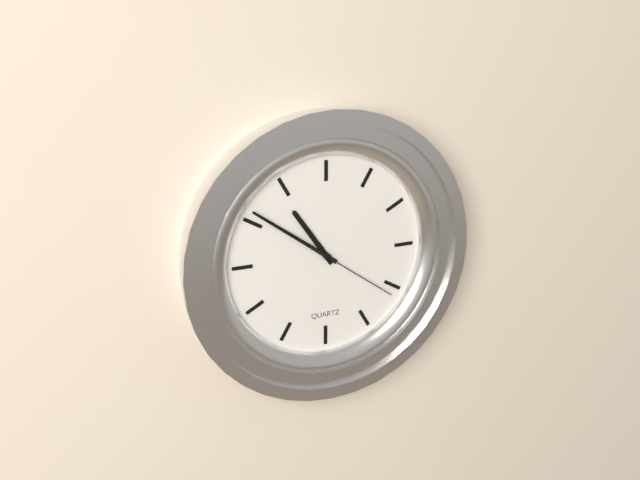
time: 10:51:21
